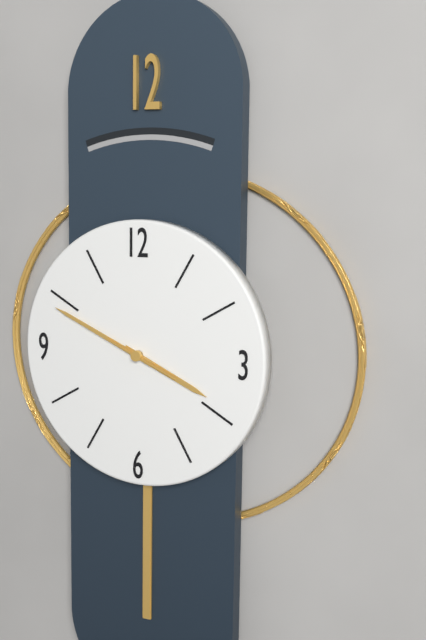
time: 3:49:19
